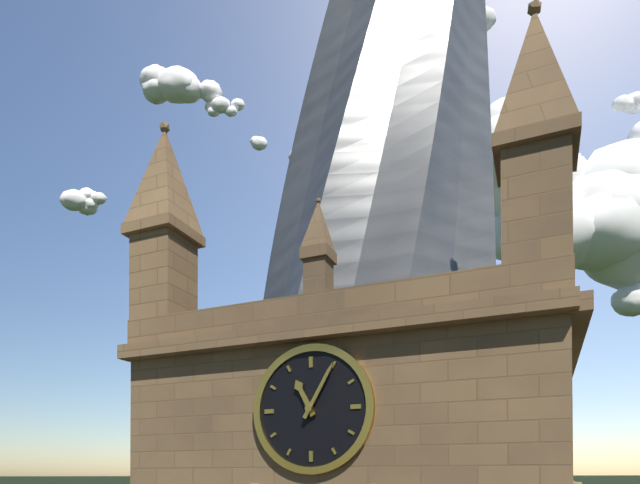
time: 11:05
